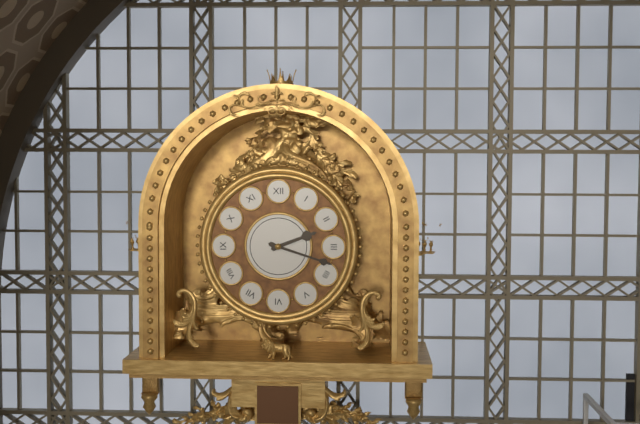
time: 2:18
